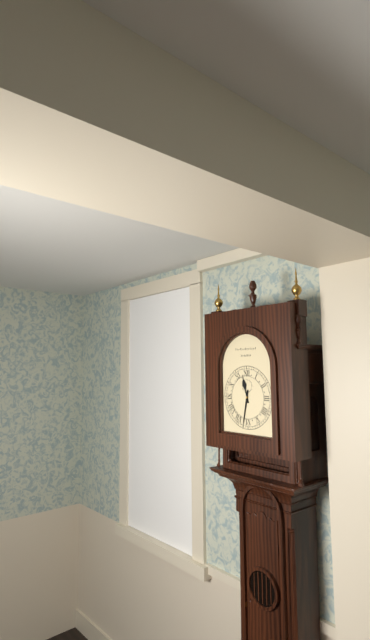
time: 11:32
